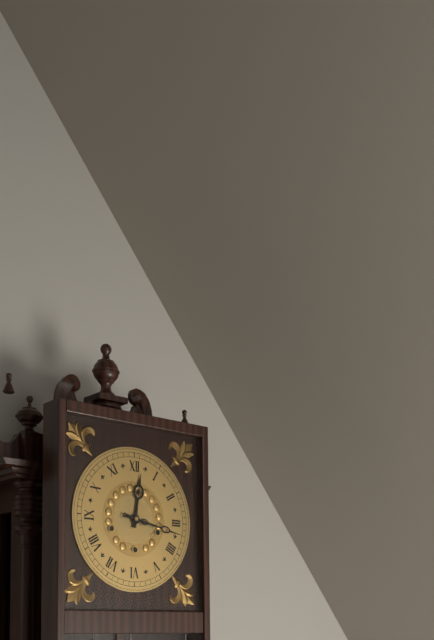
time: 12:17
